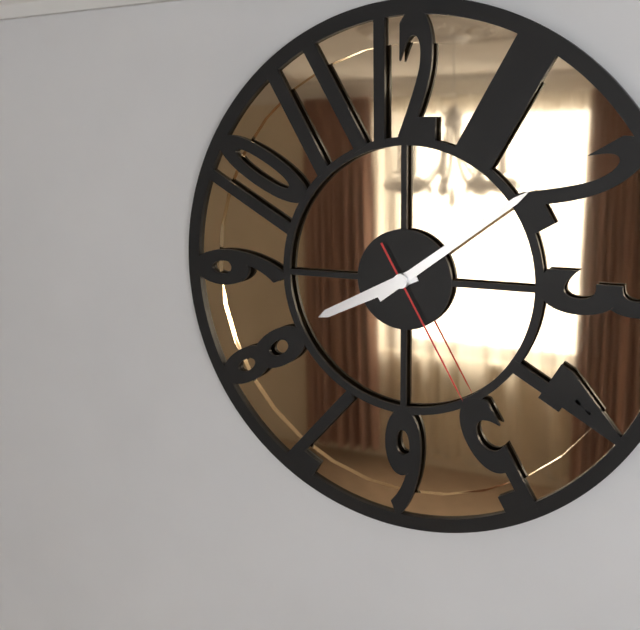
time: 8:09:25
